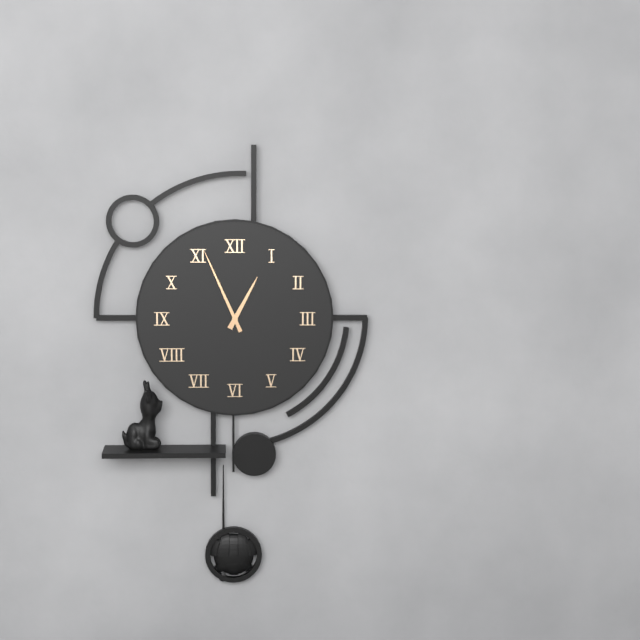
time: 12:56
